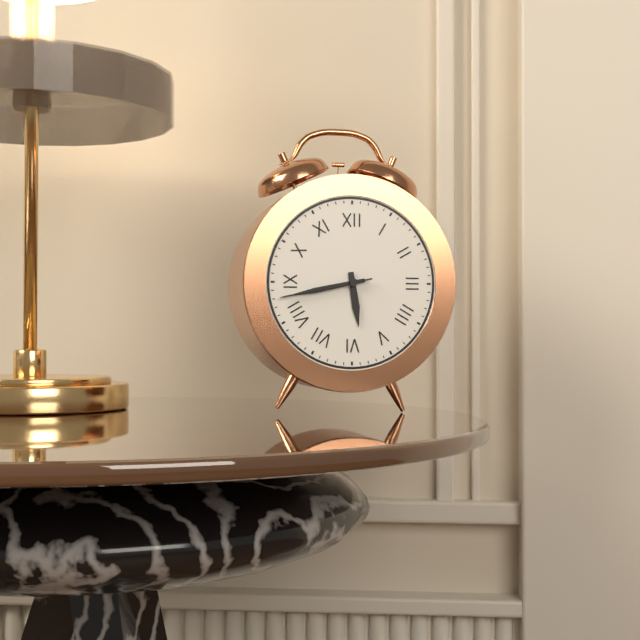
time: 5:43:43
